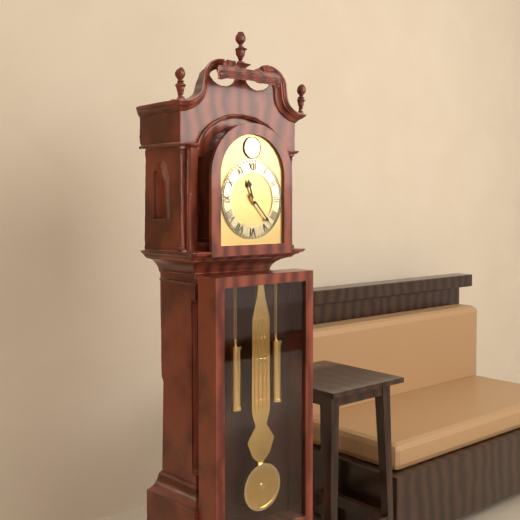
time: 11:23
